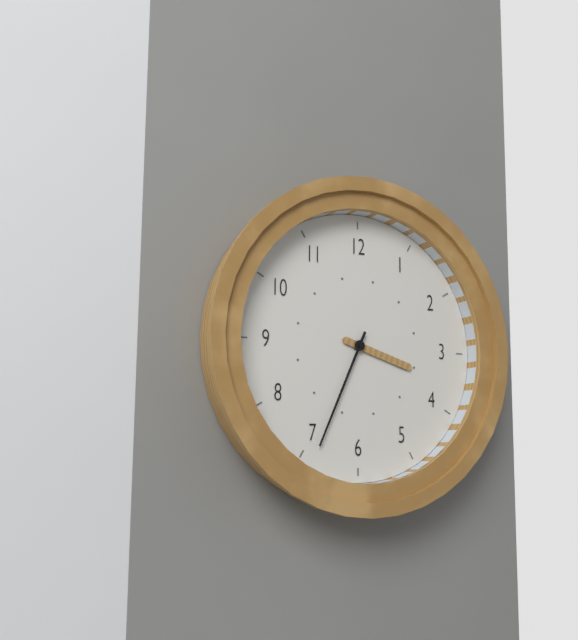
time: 3:34
